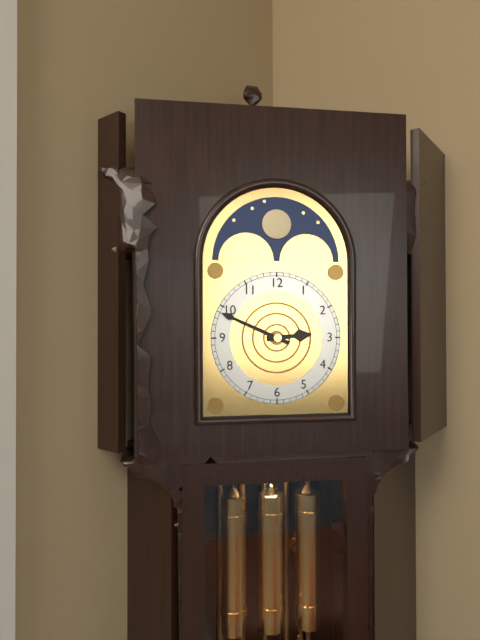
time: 2:49
